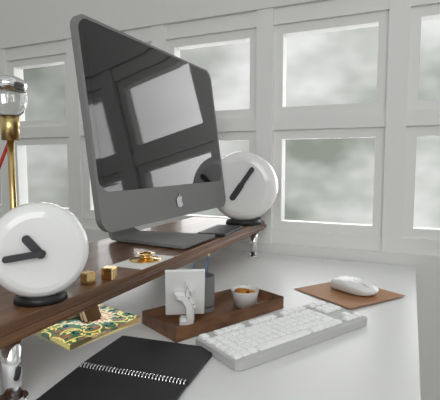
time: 10:44
